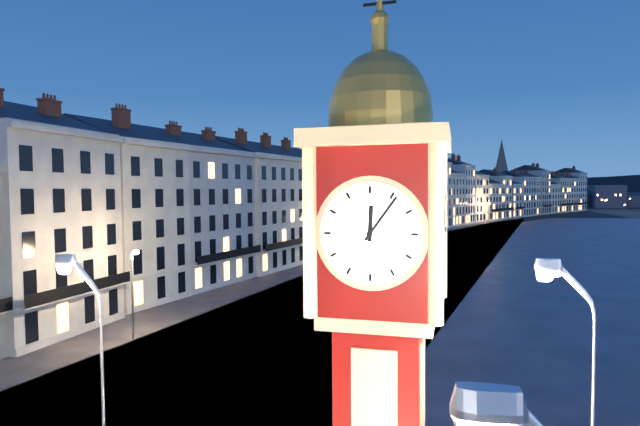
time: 12:06
